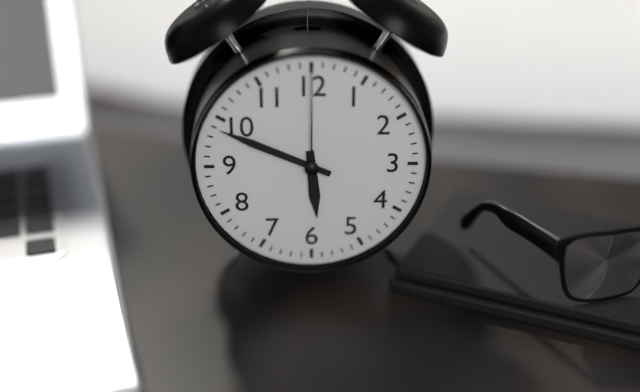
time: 5:49:00
